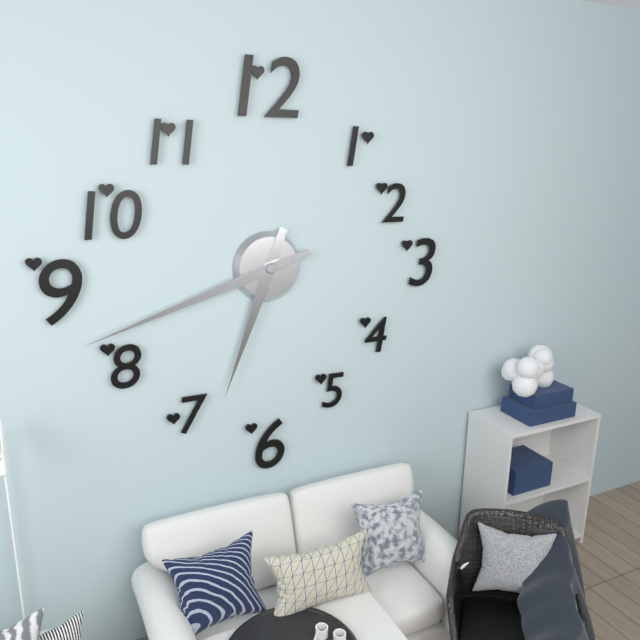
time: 6:42
